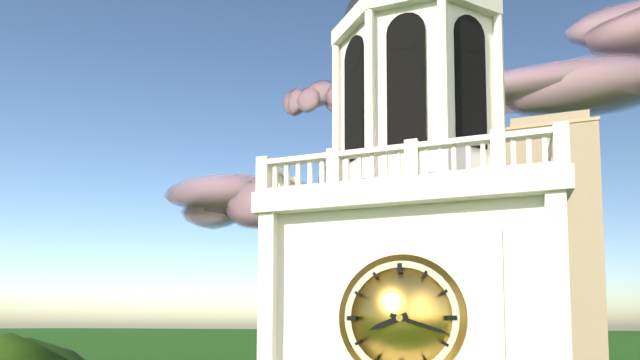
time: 8:18
